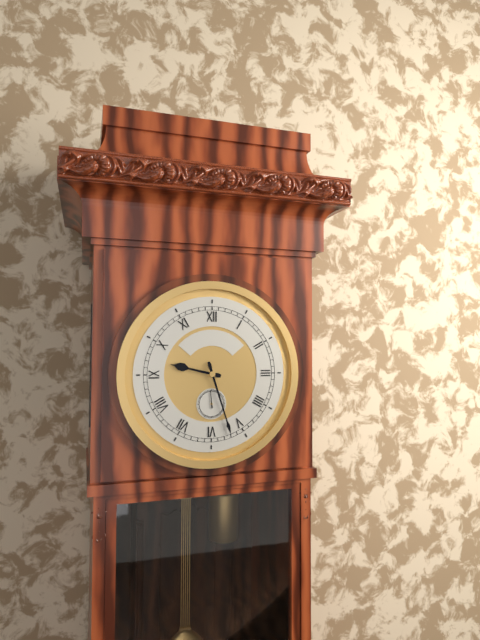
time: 9:27
